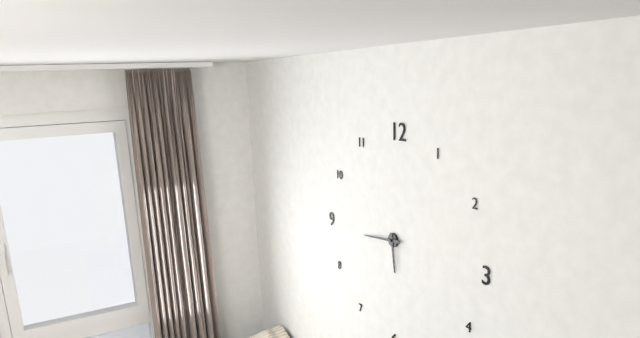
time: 5:44
